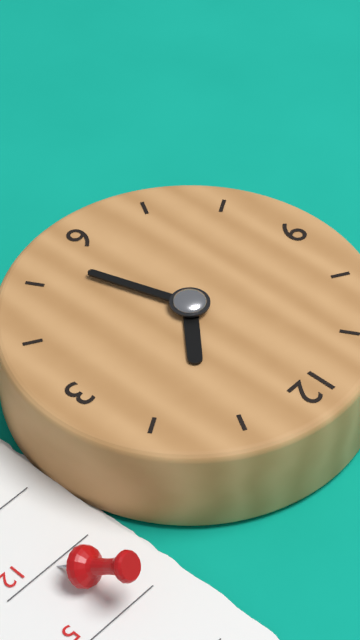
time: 1:27
